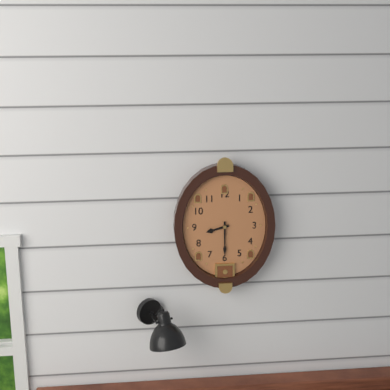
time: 8:30
